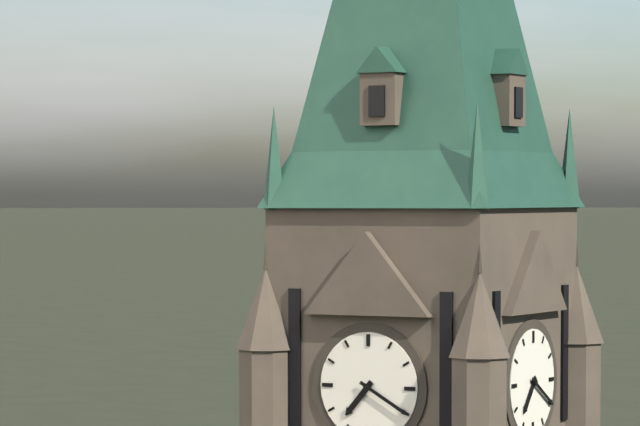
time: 7:20
